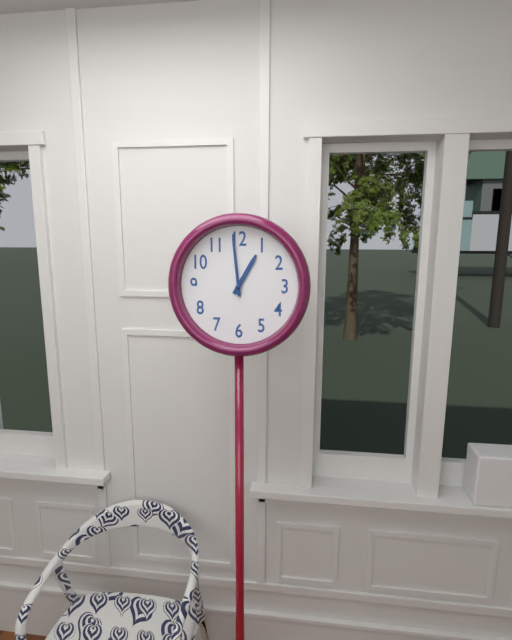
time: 12:59
